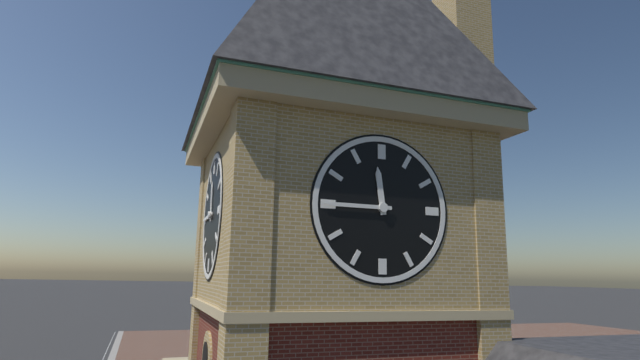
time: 11:45
